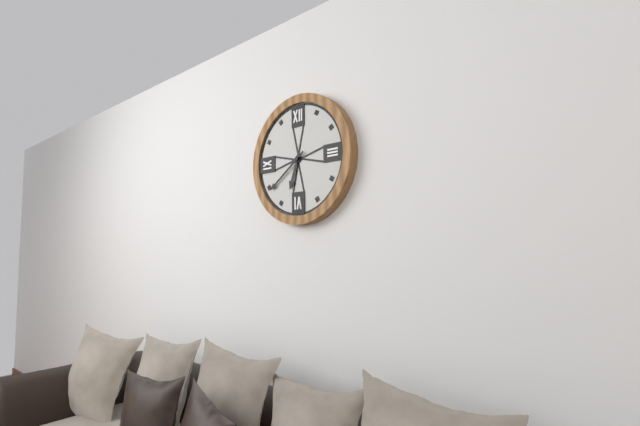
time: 6:39
